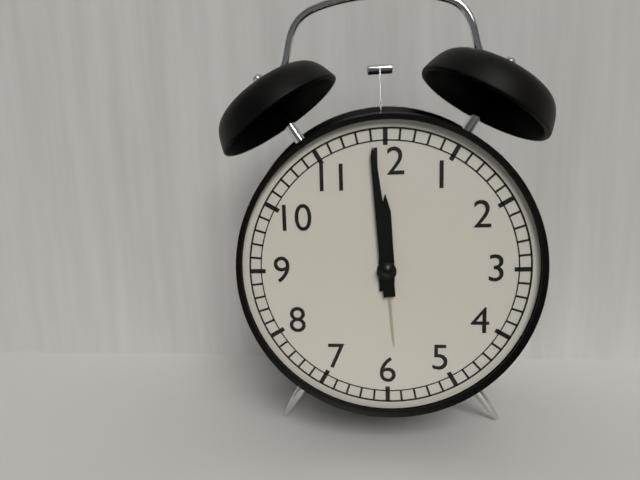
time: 11:59
